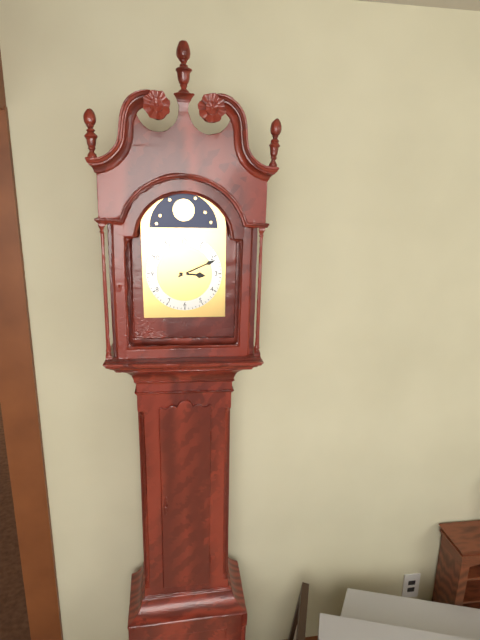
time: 3:11
